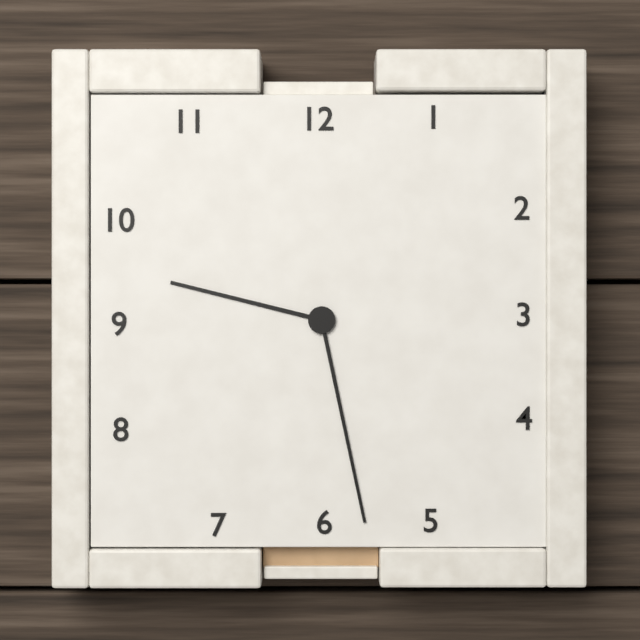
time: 9:28
